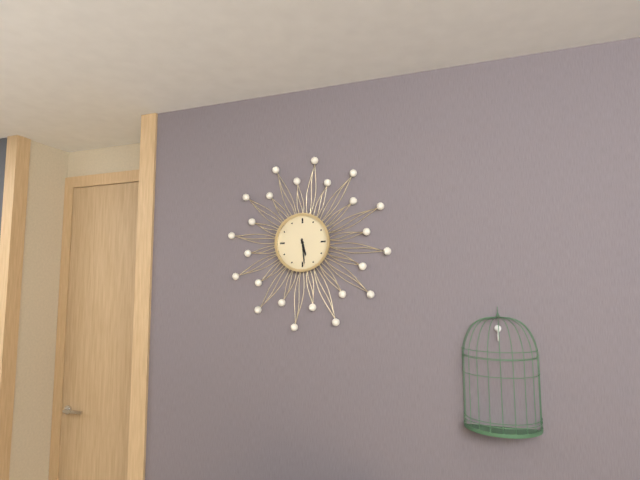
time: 5:29
